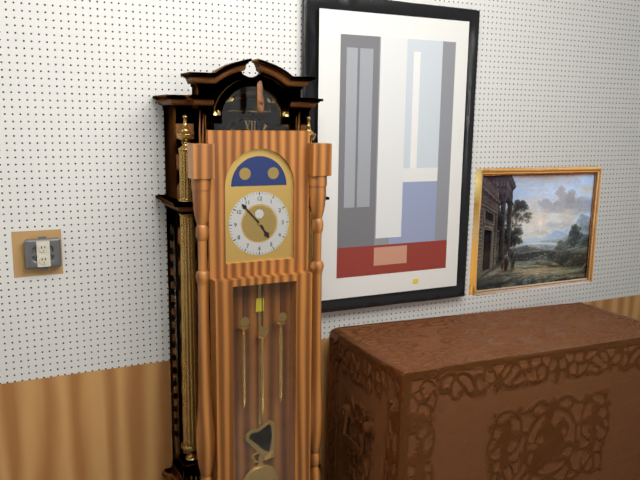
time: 4:53
